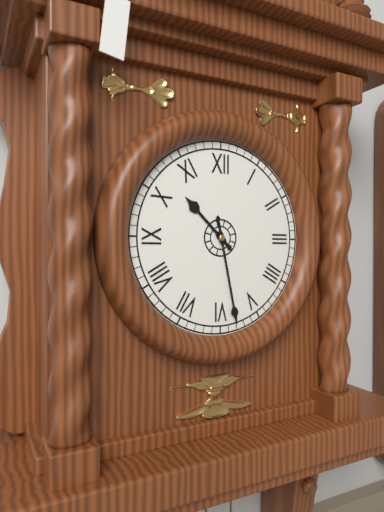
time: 10:28
